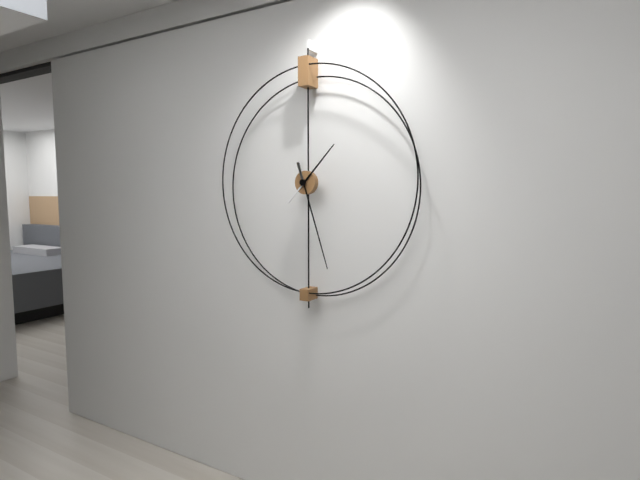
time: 1:27
